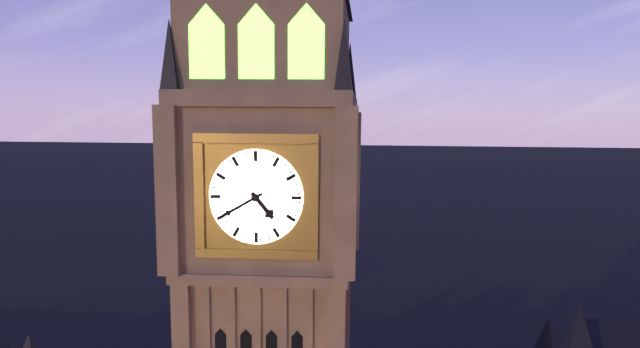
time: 4:40
